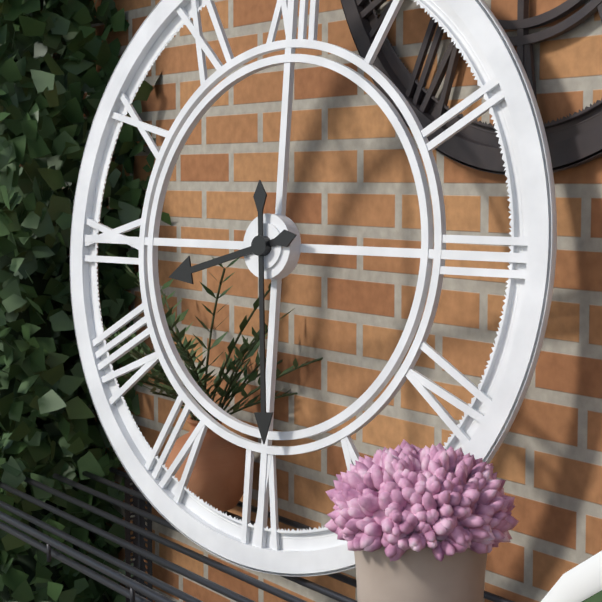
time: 8:29
